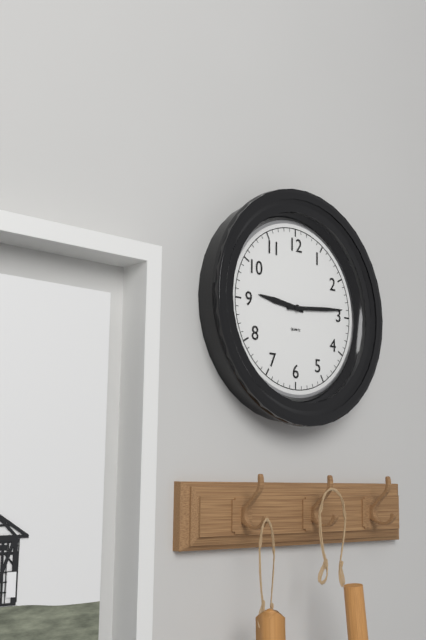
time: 9:14
